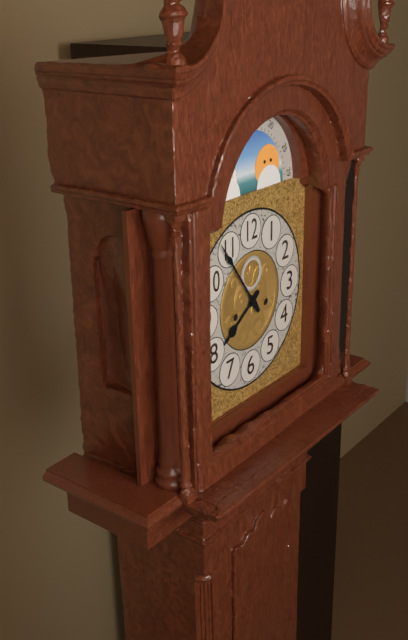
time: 7:54
